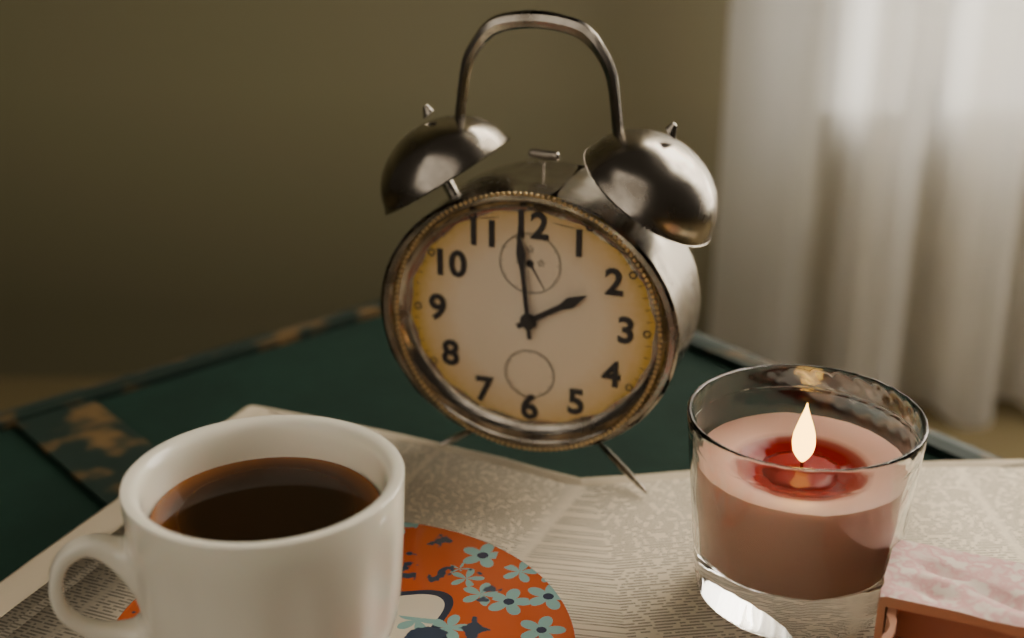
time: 1:59
